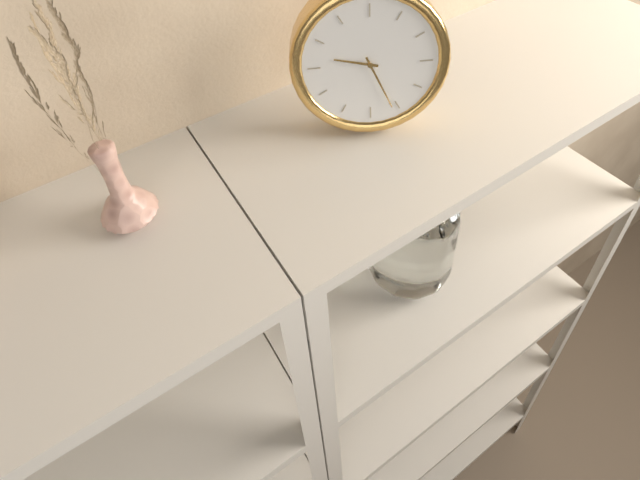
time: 9:26
